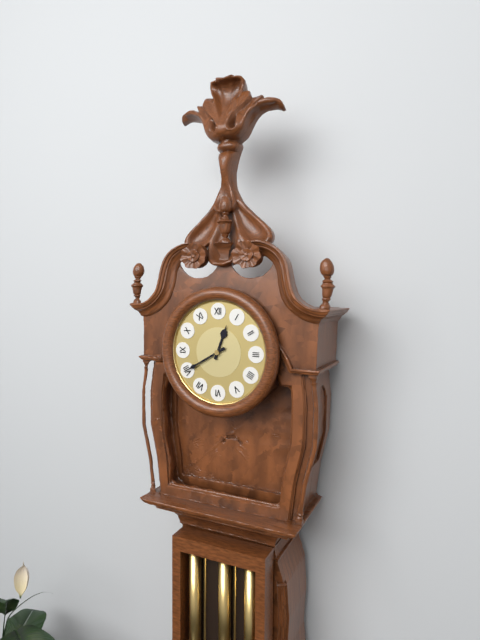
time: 12:40
